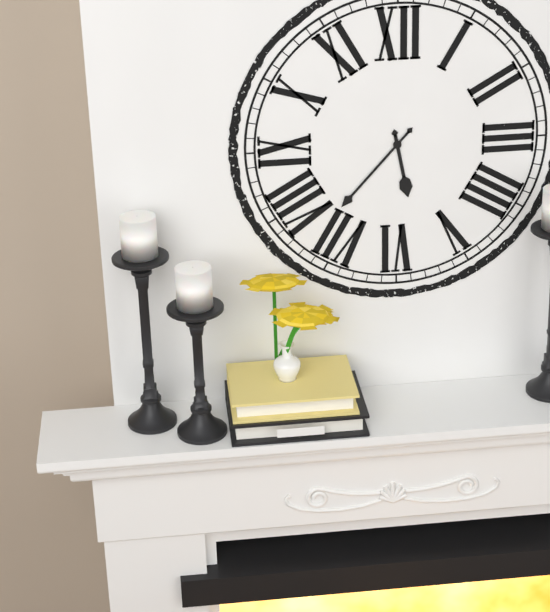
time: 5:37
